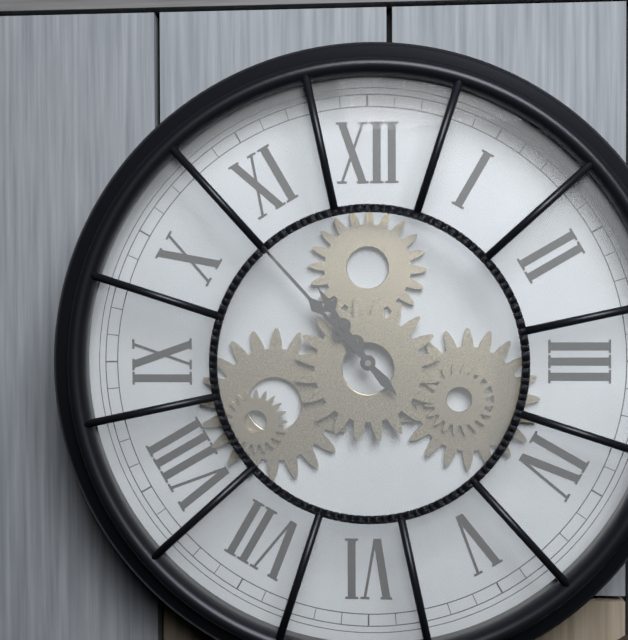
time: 10:53
